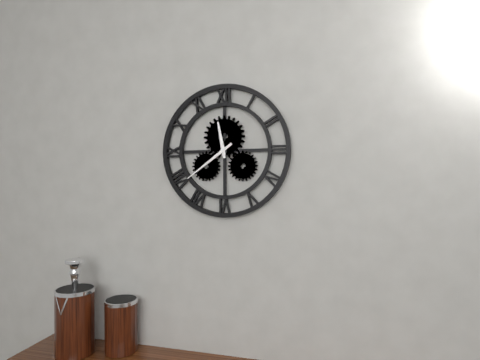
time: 11:39
